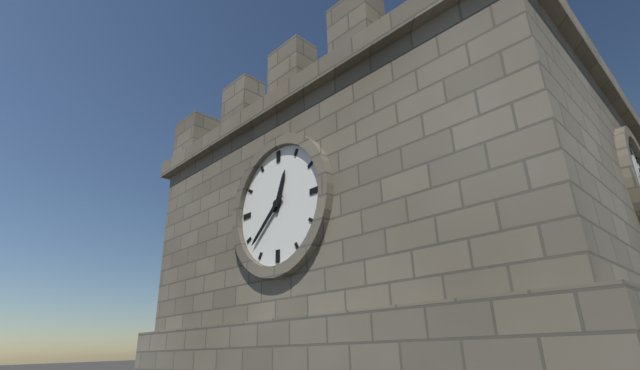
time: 12:38
